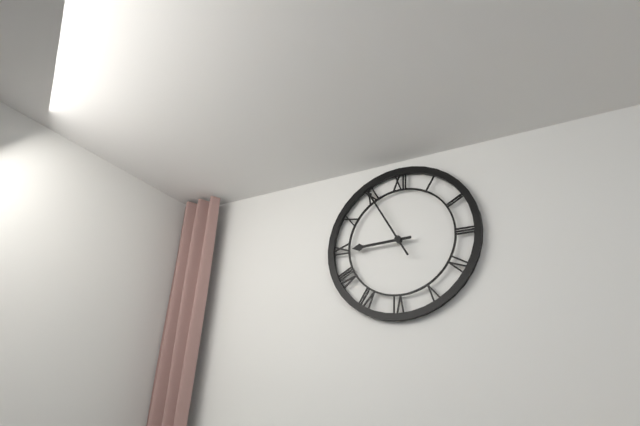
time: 8:55
